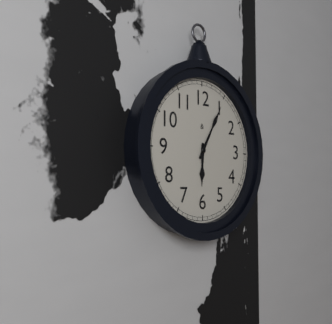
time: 6:05
